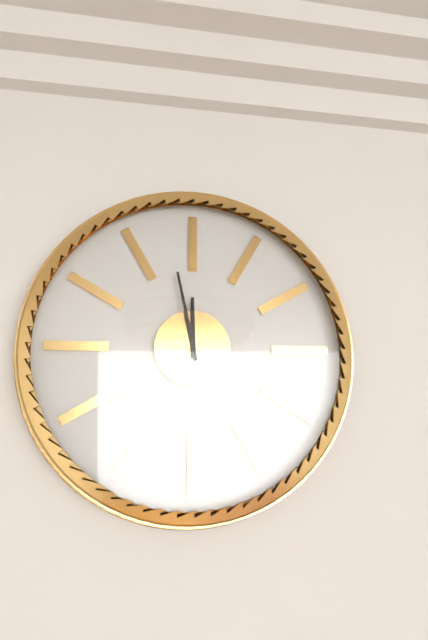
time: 11:58
